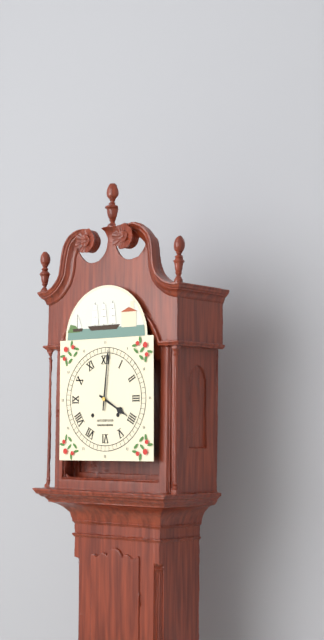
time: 4:01
